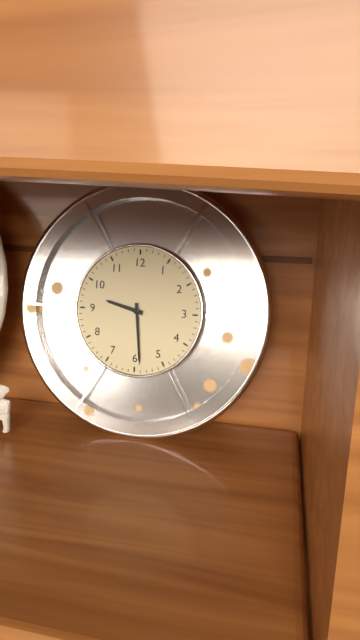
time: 9:29
